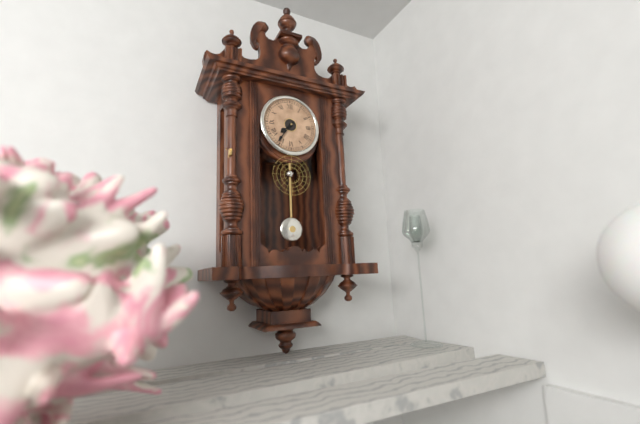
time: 7:36
